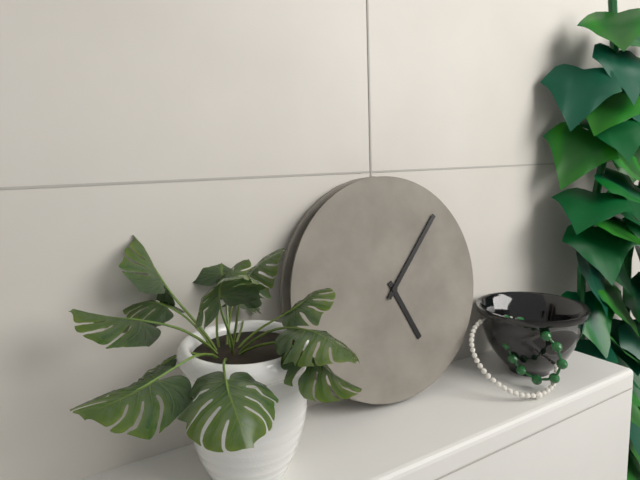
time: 5:07
